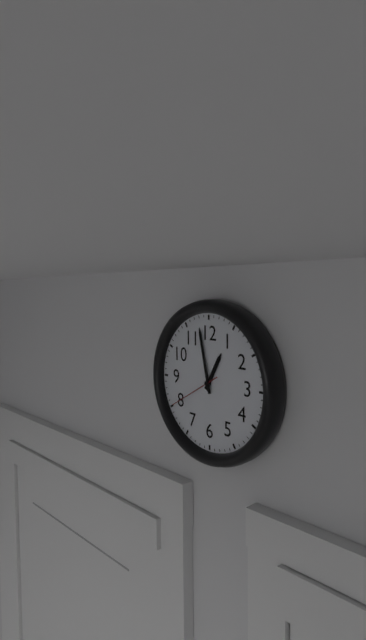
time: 12:58:40
